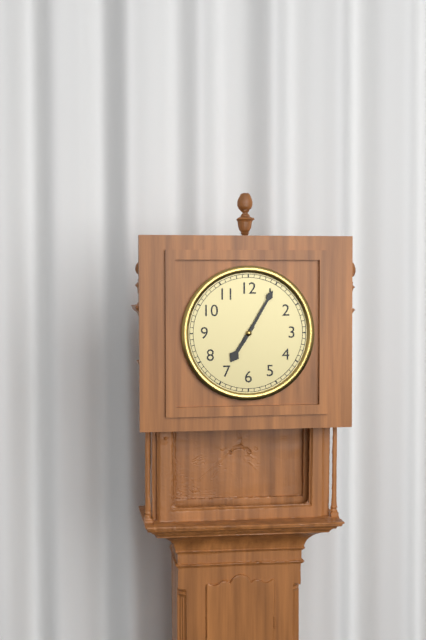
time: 7:05
